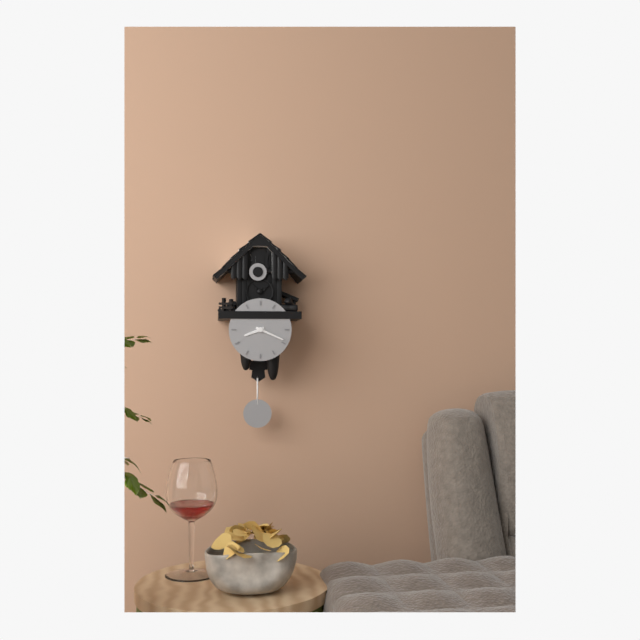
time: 8:19
